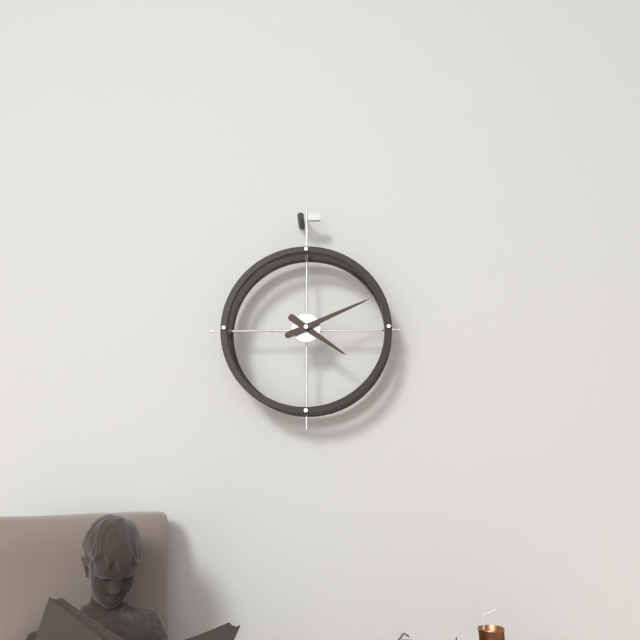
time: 4:11
